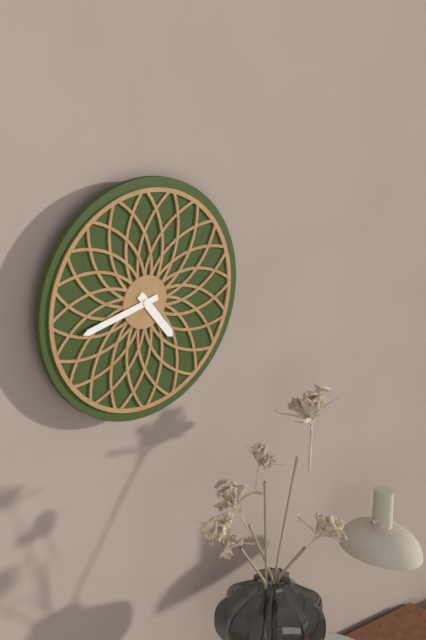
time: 4:43
